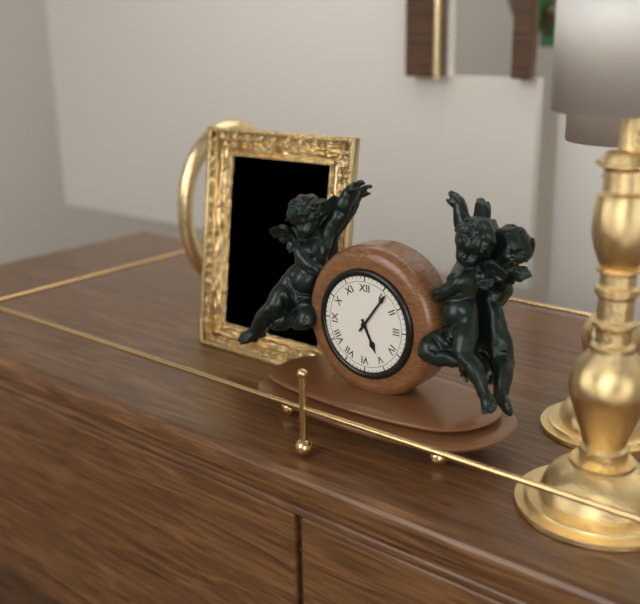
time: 5:06
